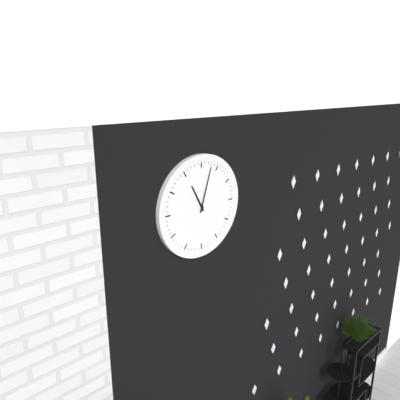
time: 11:03
